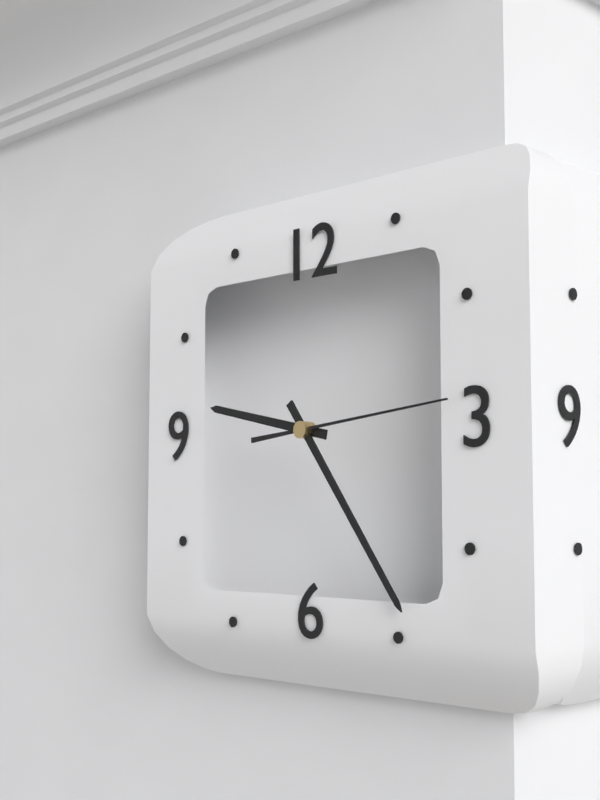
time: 9:24:14
